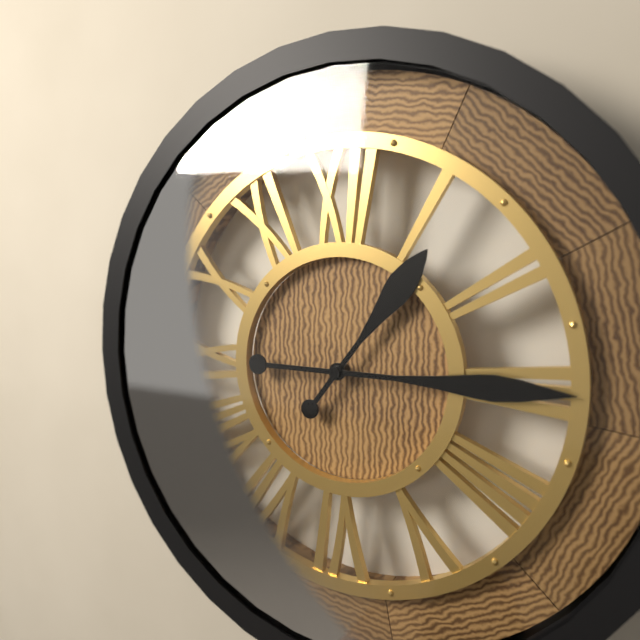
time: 1:15
